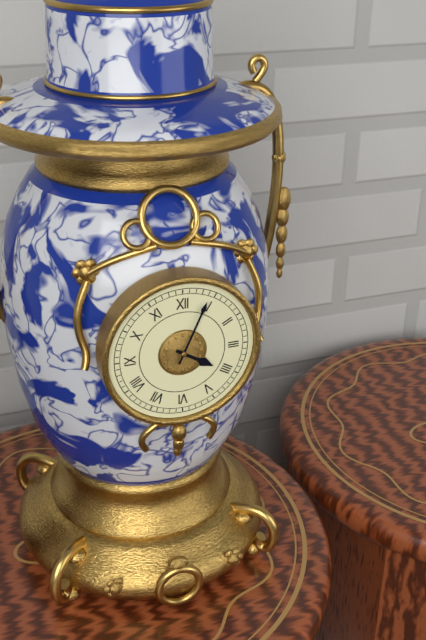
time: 4:04
